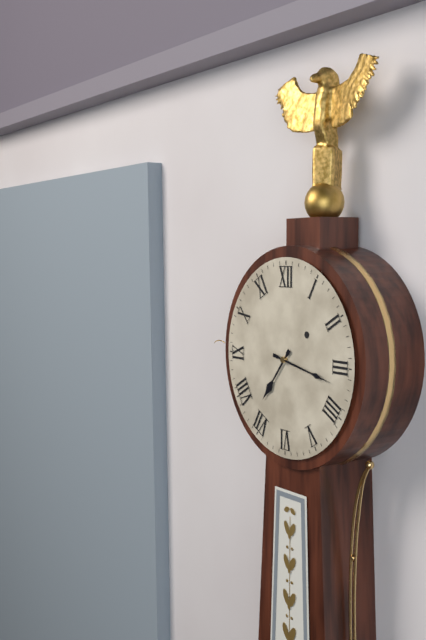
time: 7:17
